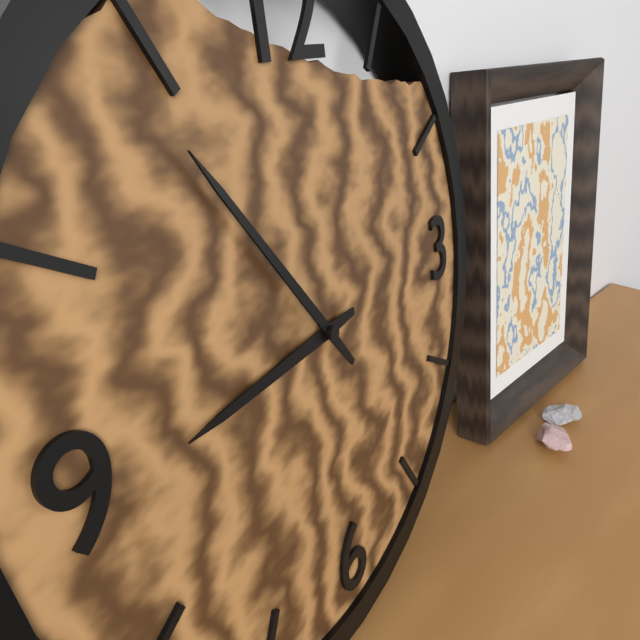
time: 8:54
